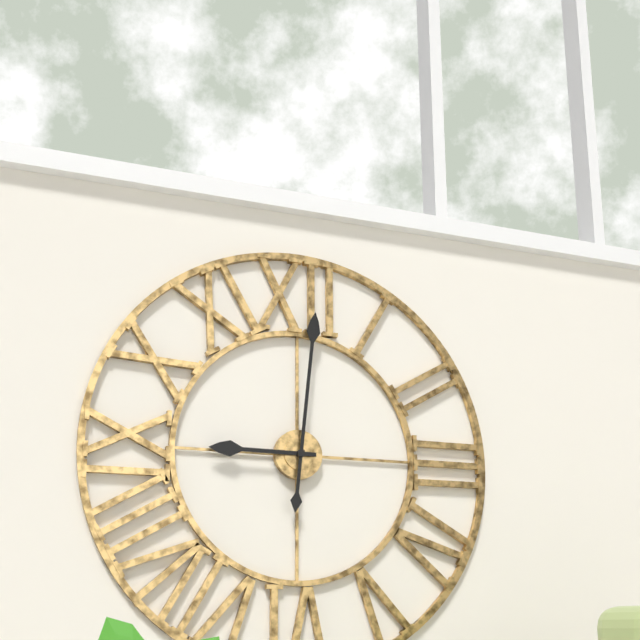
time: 9:01
